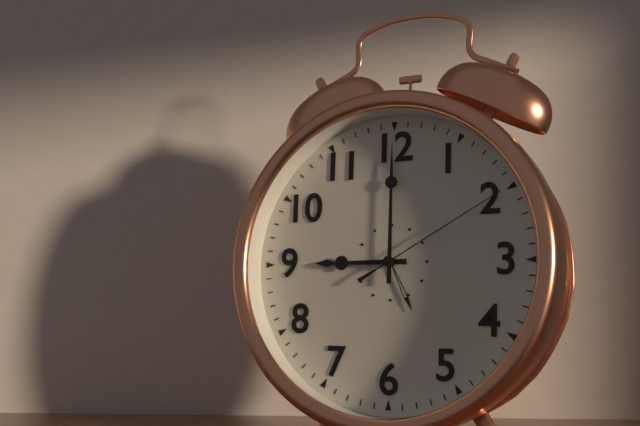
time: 9:00:10
